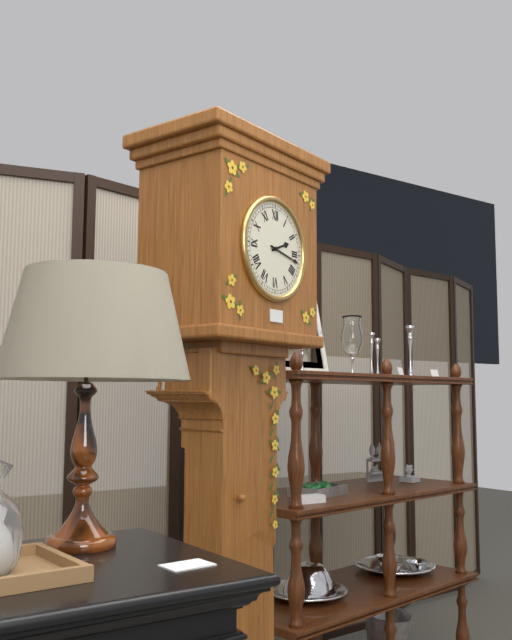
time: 2:17
